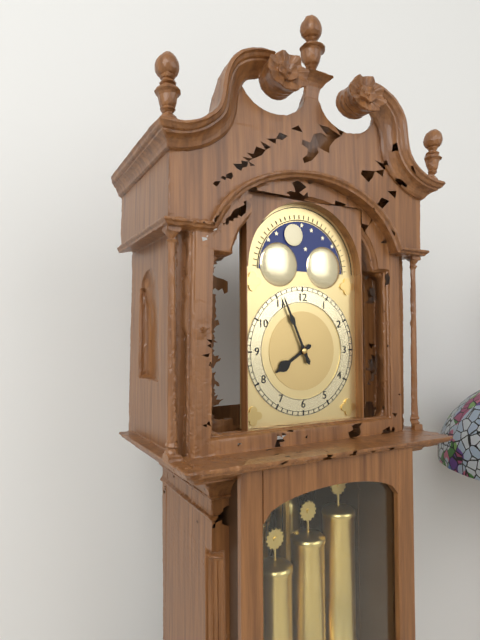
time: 7:56
